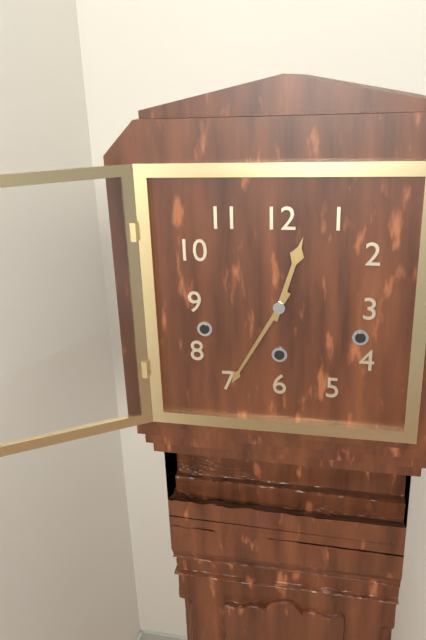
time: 12:35
